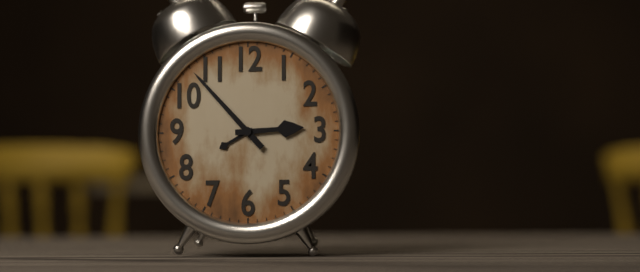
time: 2:53
